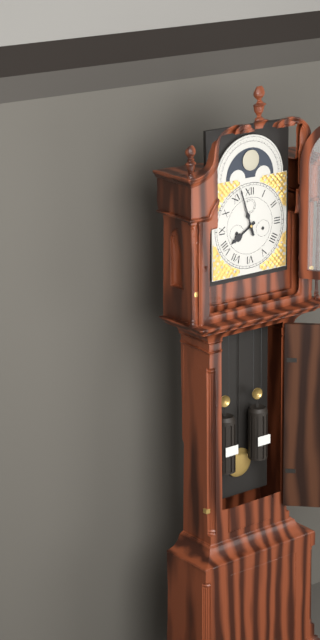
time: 7:57
